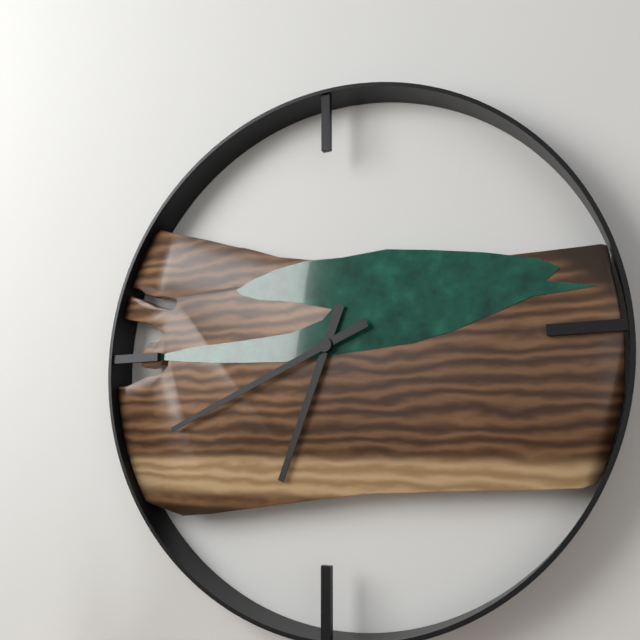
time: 6:41
